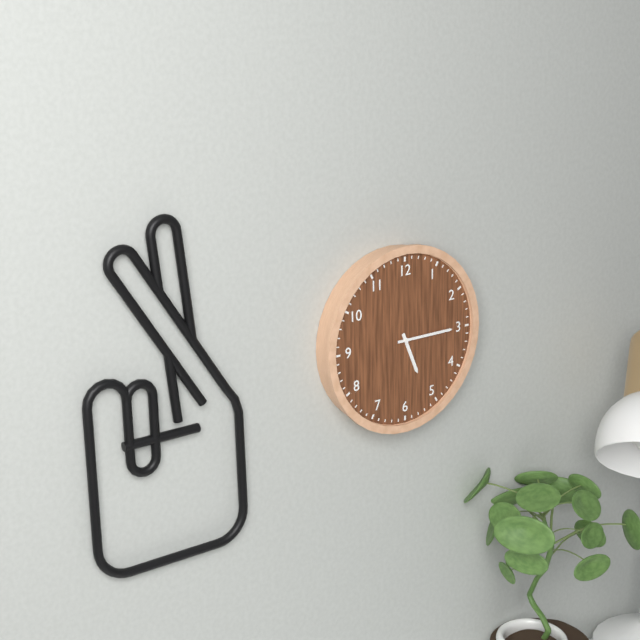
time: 5:15
